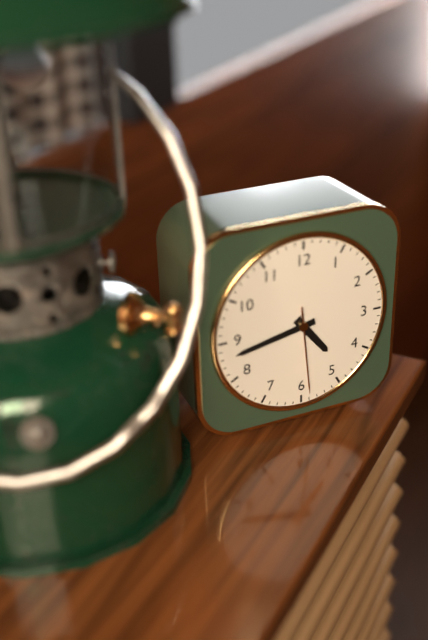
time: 4:43:29
